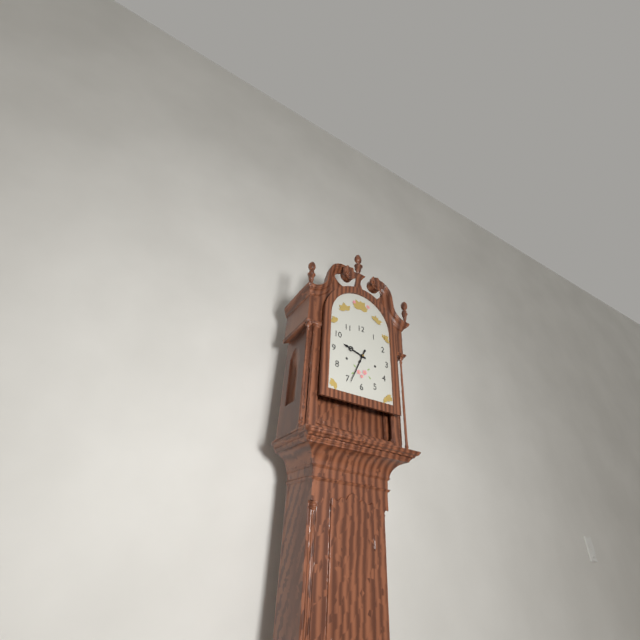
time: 9:34
